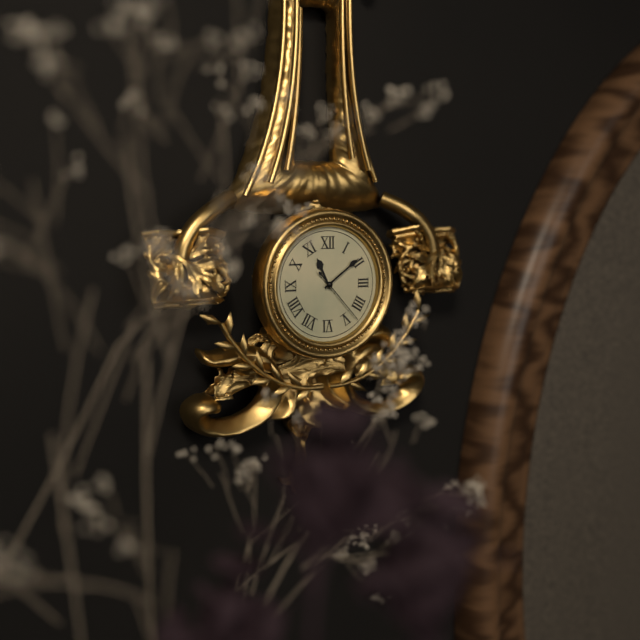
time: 11:09:23
